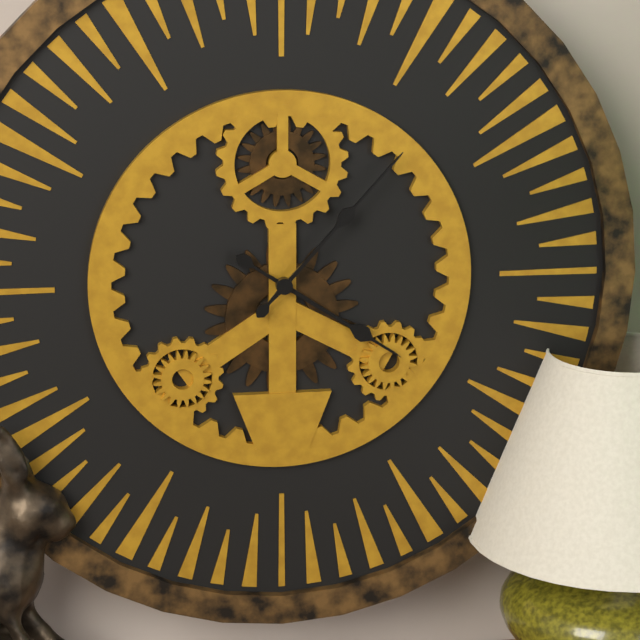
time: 4:07
